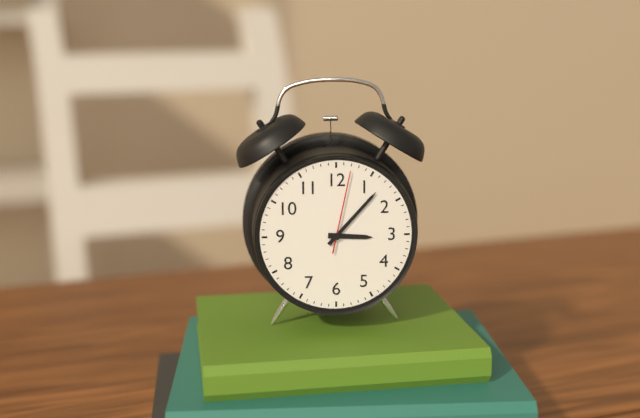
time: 3:07:02
